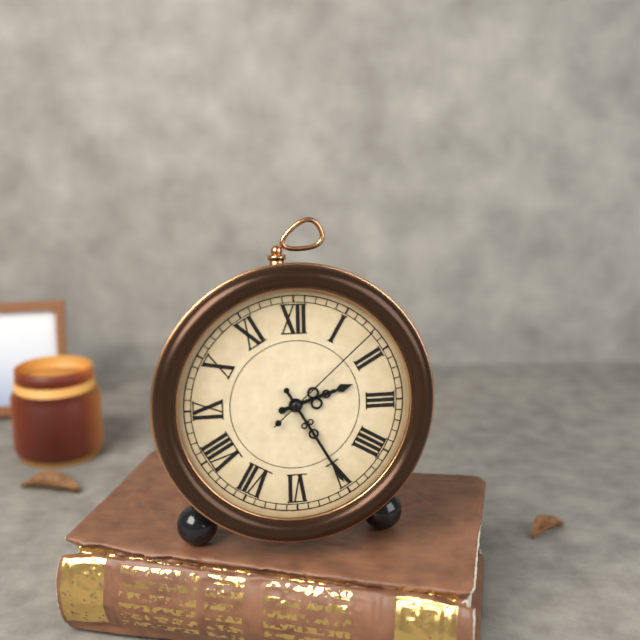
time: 2:25:08
